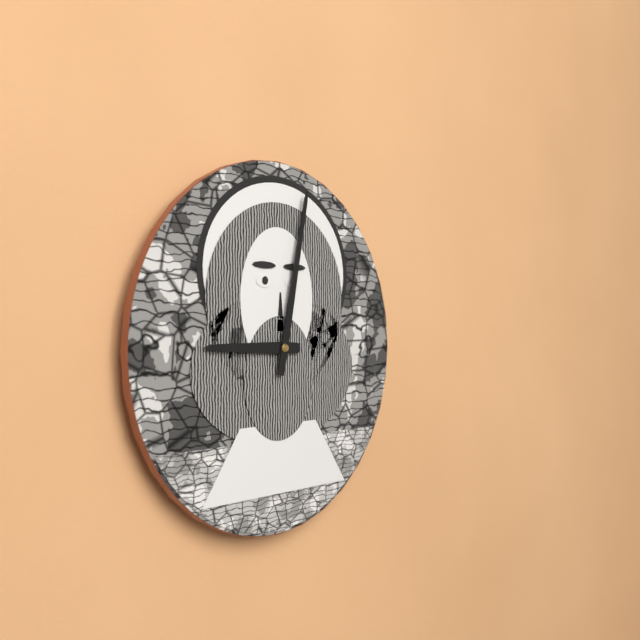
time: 9:02
